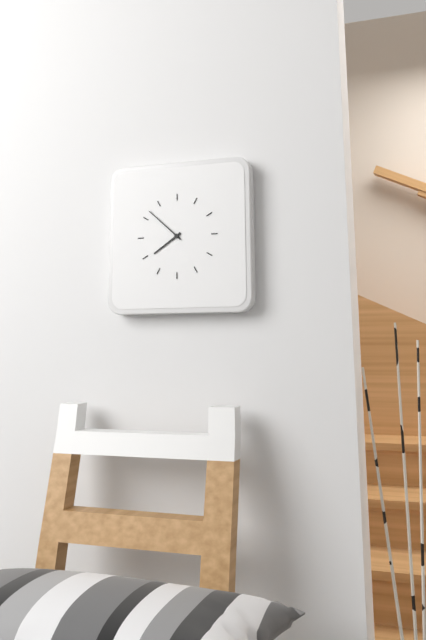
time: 7:52
